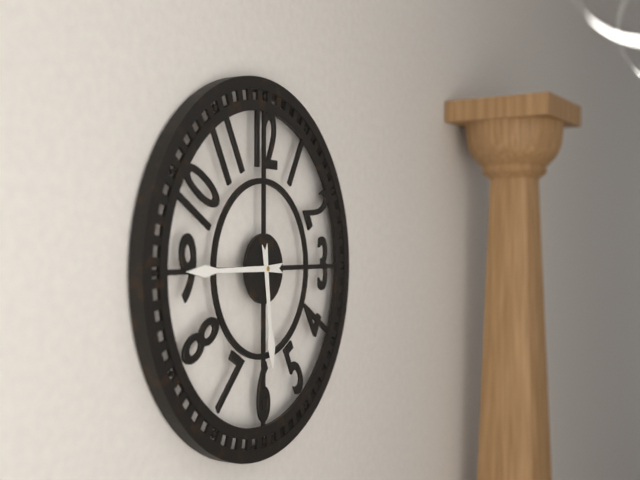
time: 5:45
